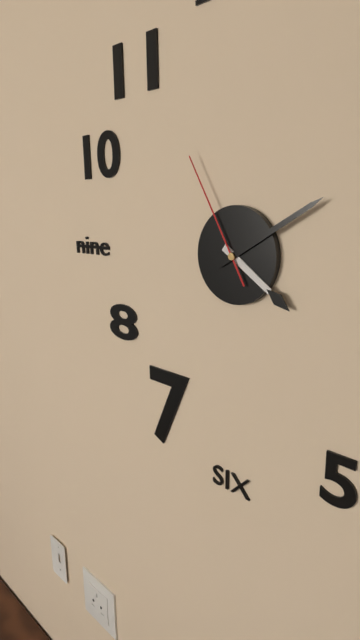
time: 4:10:55
